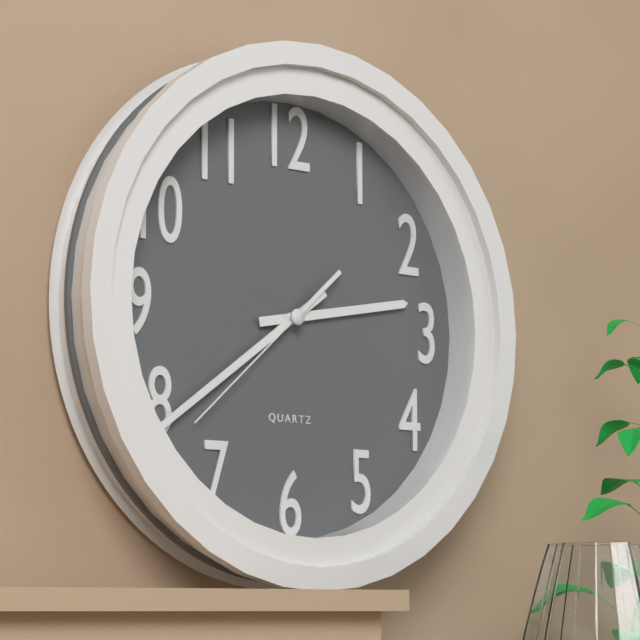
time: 2:39:38
